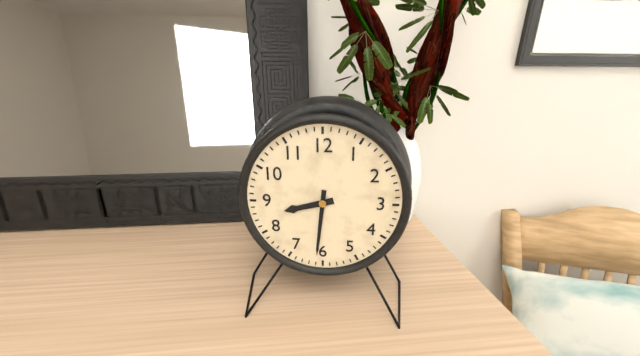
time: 8:31
